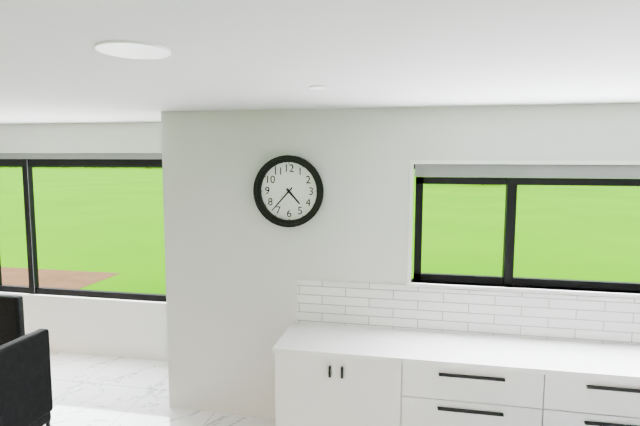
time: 4:37
